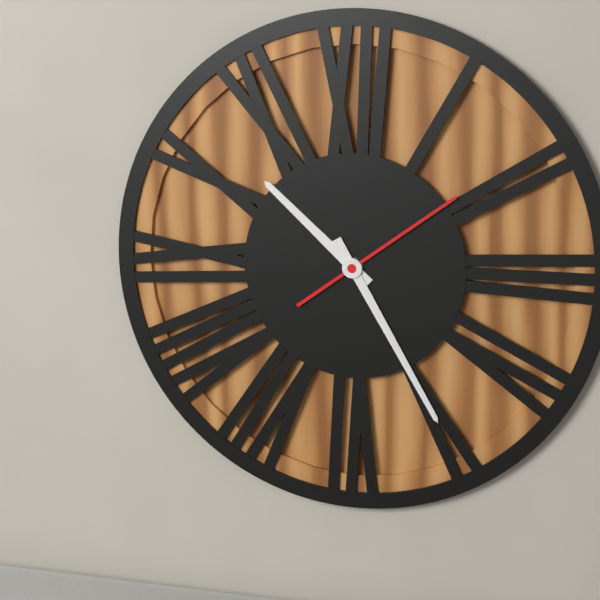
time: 10:25:09
